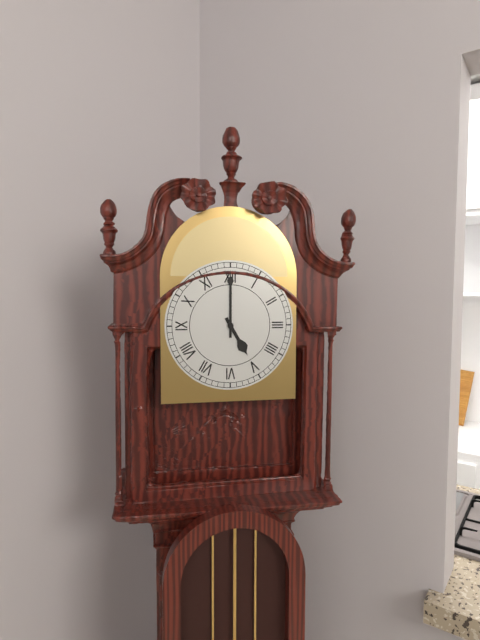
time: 5:00
